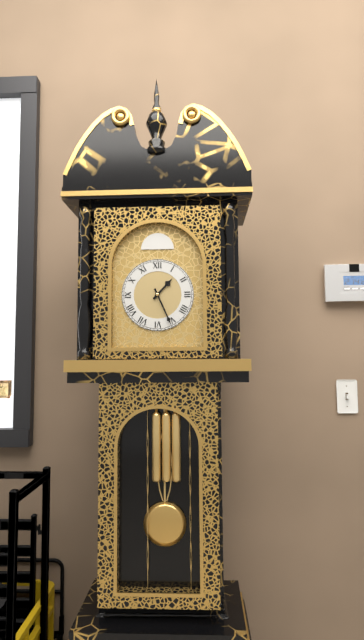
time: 1:26
